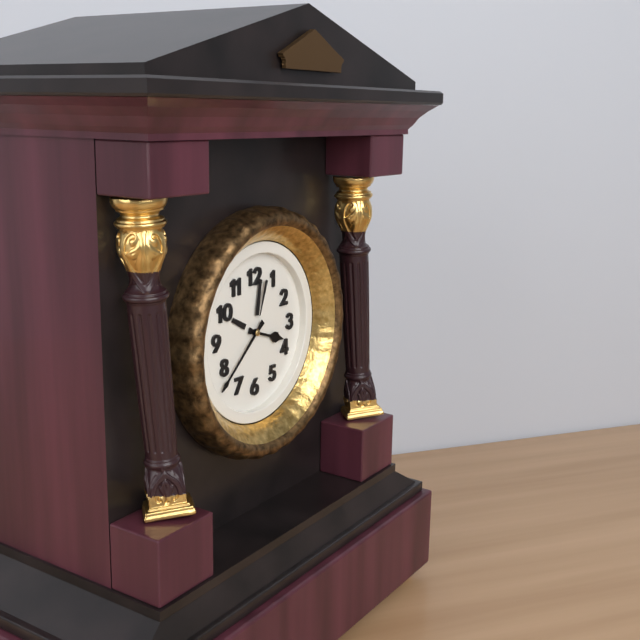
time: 3:38
